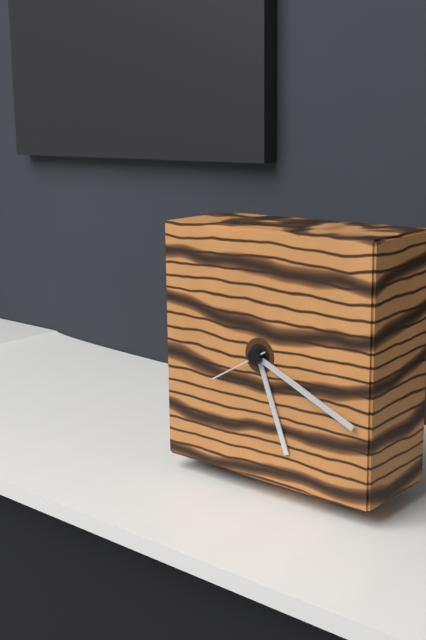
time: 5:19:40
